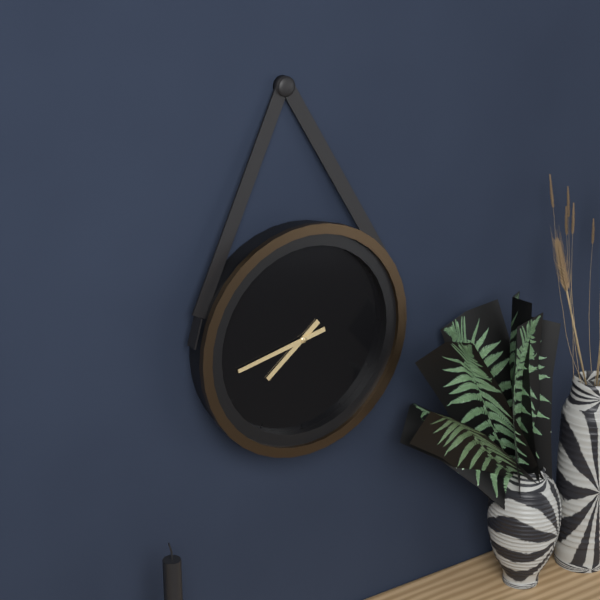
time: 7:43
